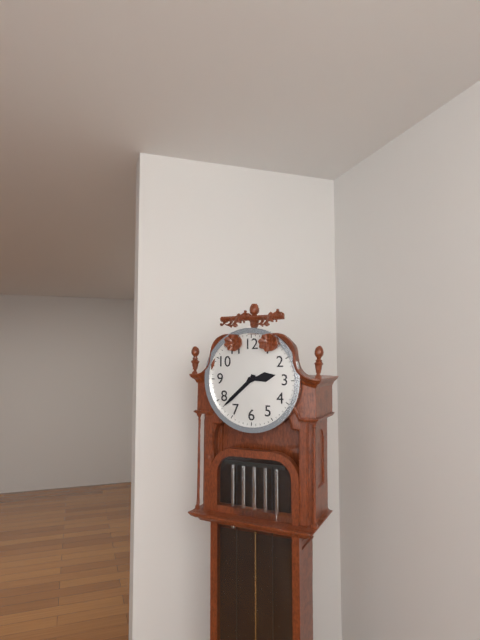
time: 2:38
